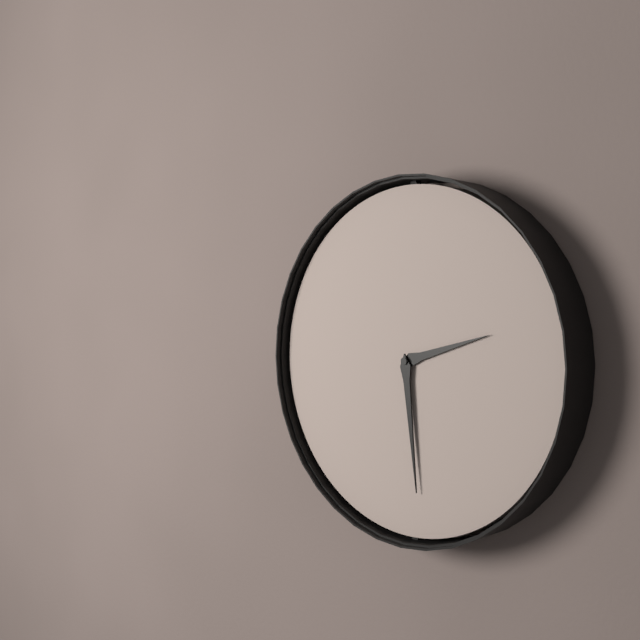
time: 2:29
